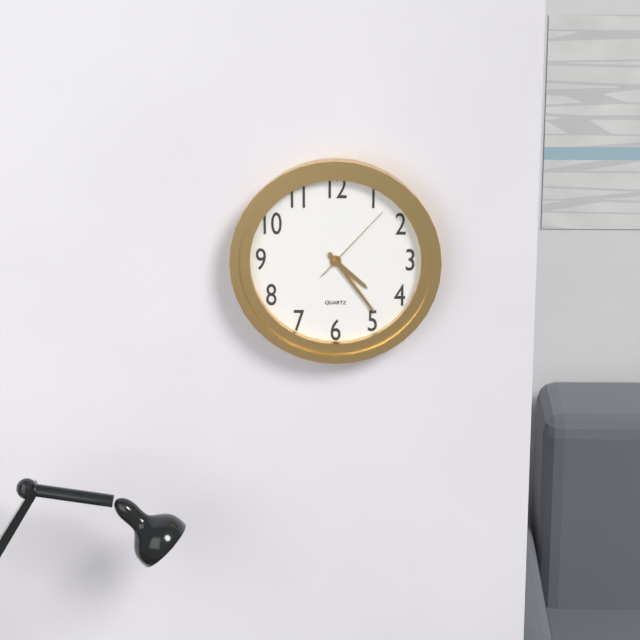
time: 4:24:07
